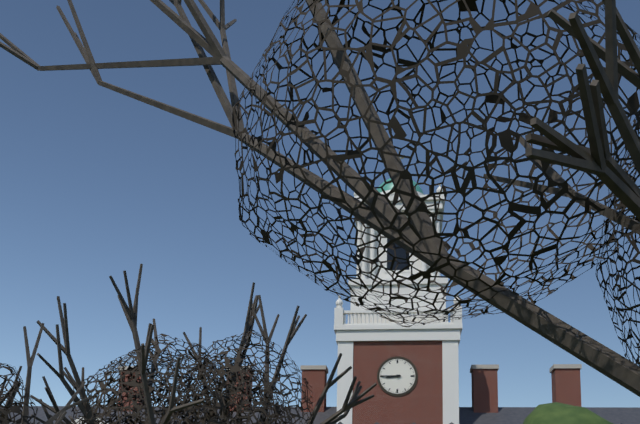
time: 8:45
